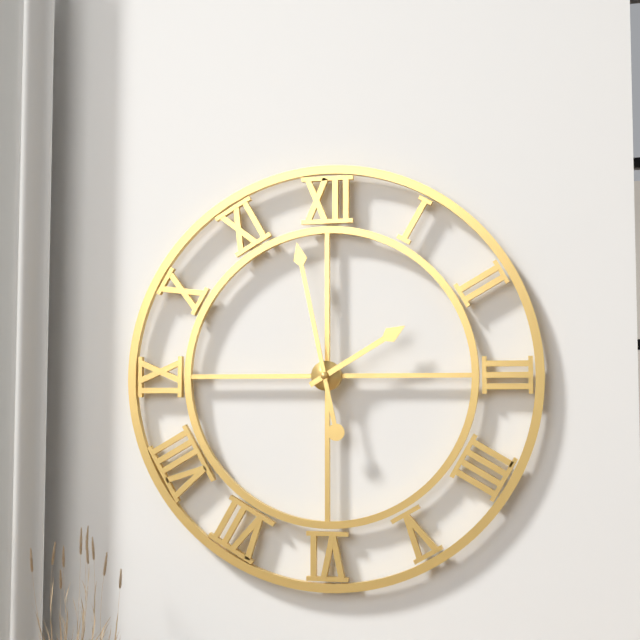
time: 1:58
